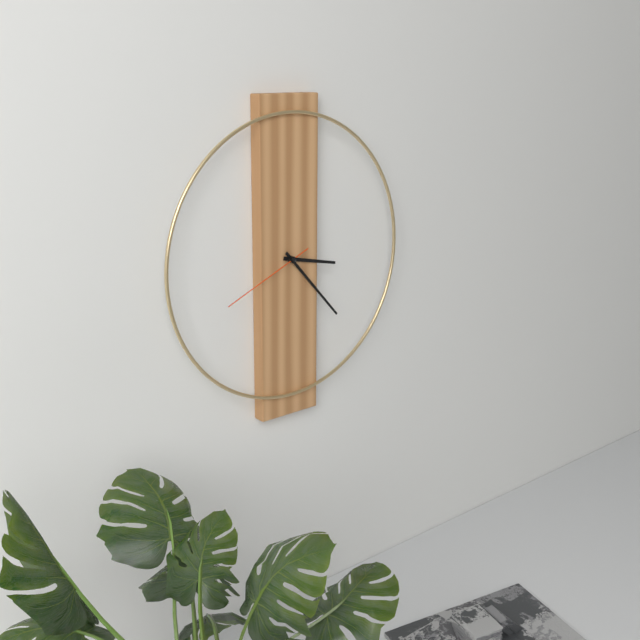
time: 3:23:41
